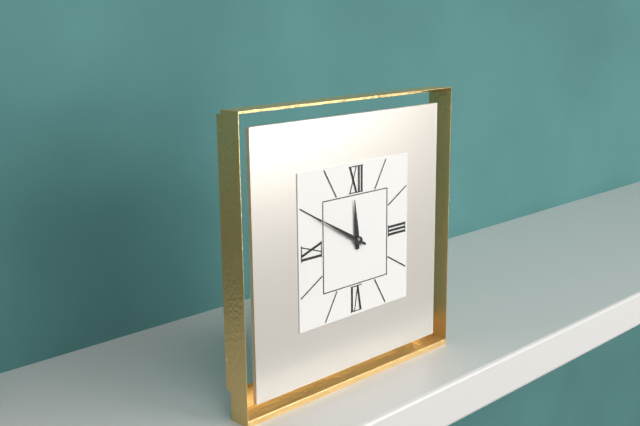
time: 11:50
